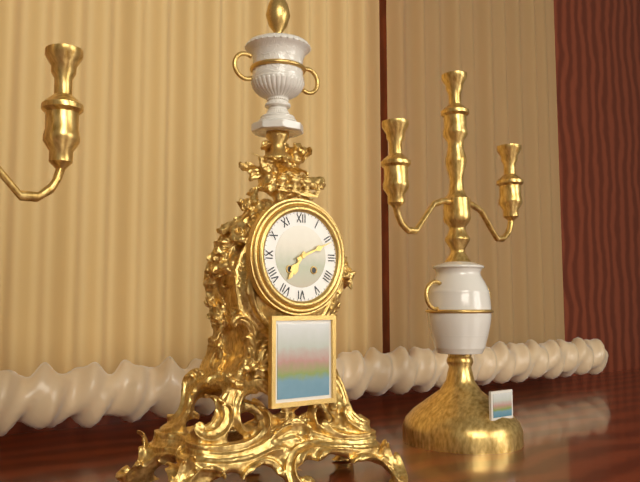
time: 7:11
